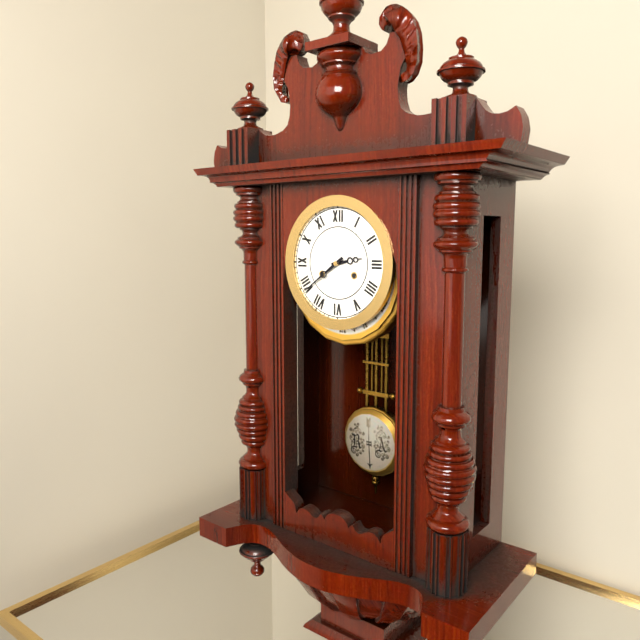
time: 2:39
